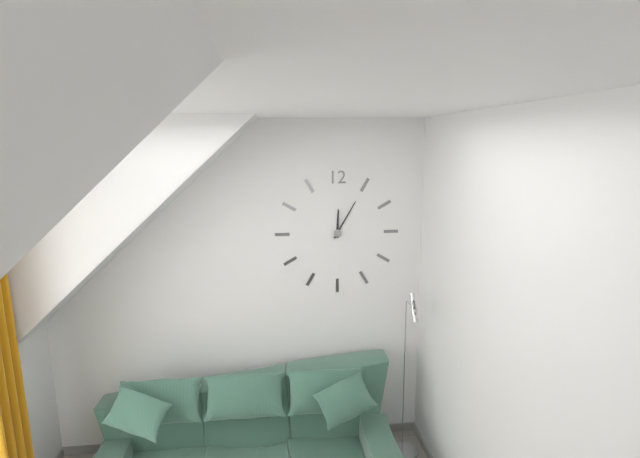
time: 12:05
